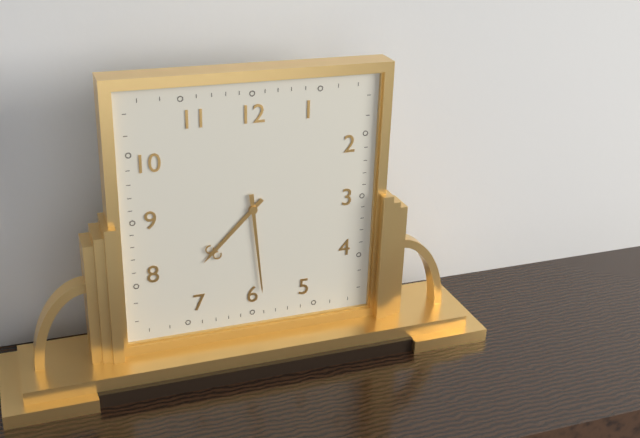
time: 7:29
